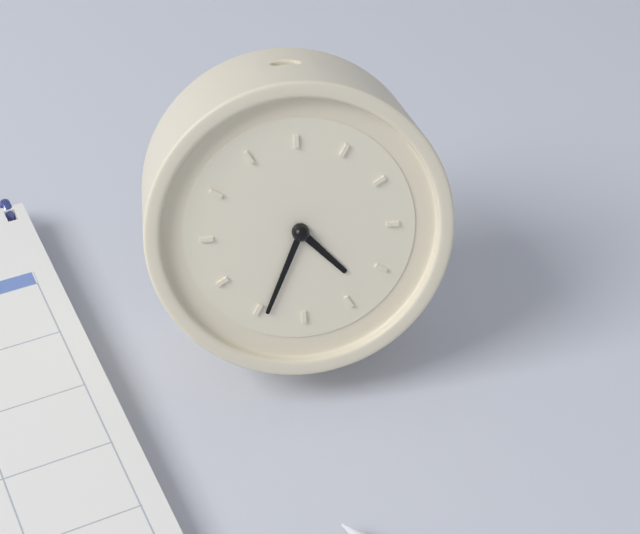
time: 4:34
